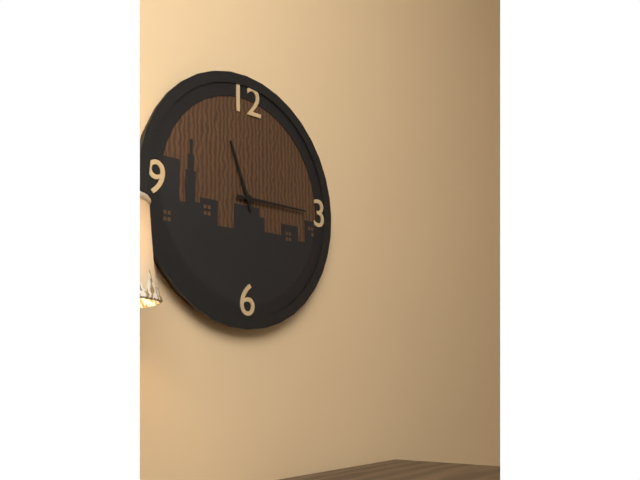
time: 11:15
